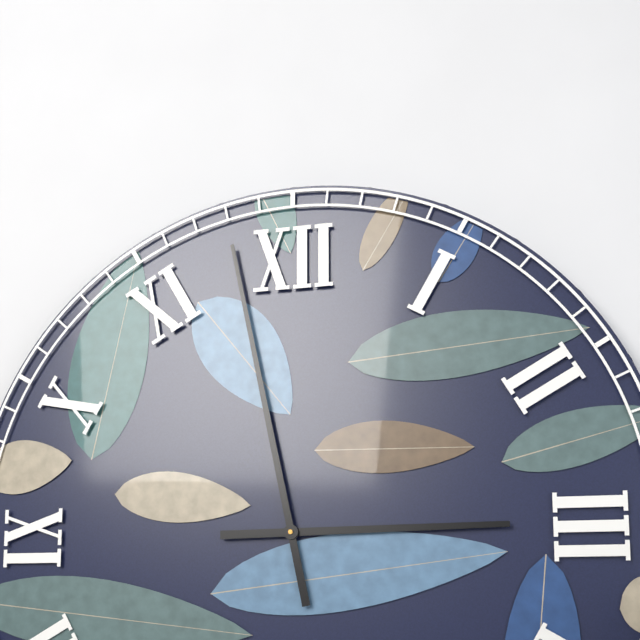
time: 2:58
